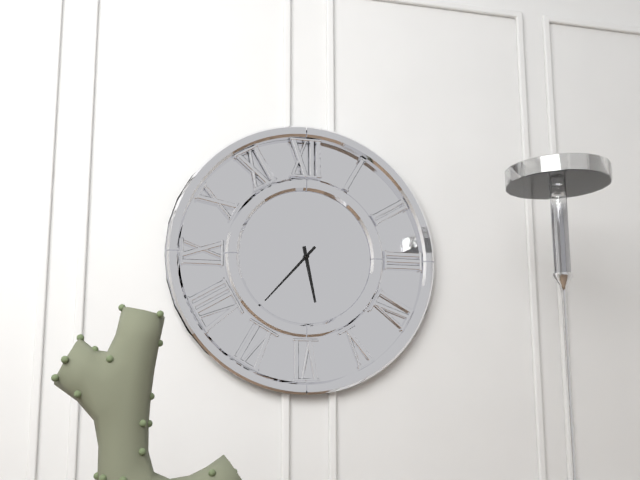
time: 5:37
